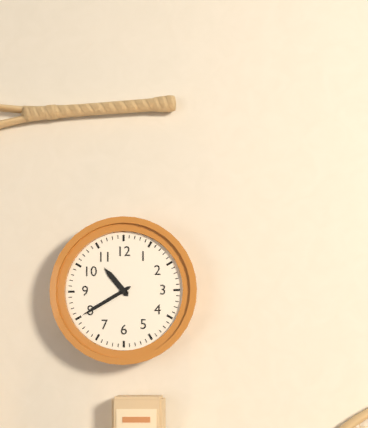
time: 10:40
